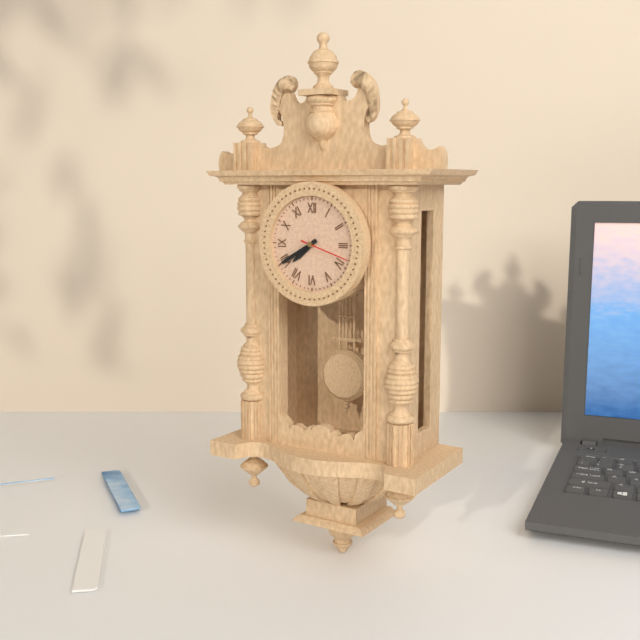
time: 7:40
